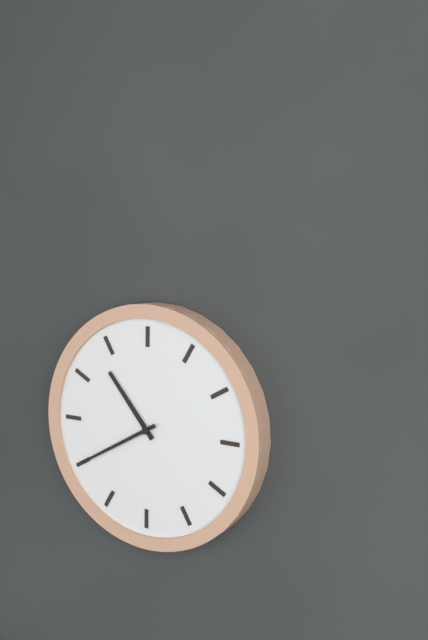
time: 10:40
